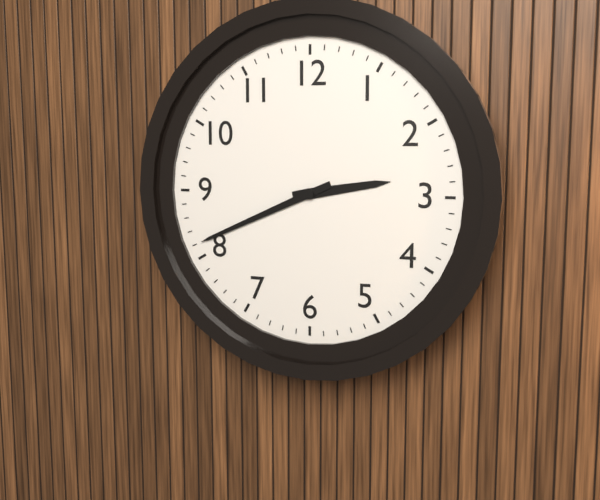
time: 2:41
